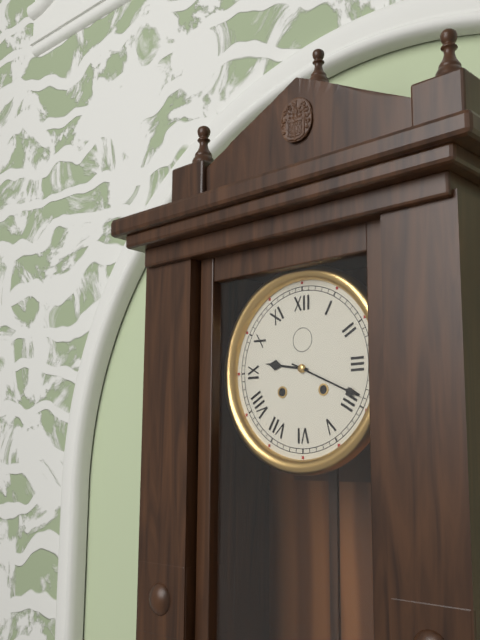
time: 9:19
